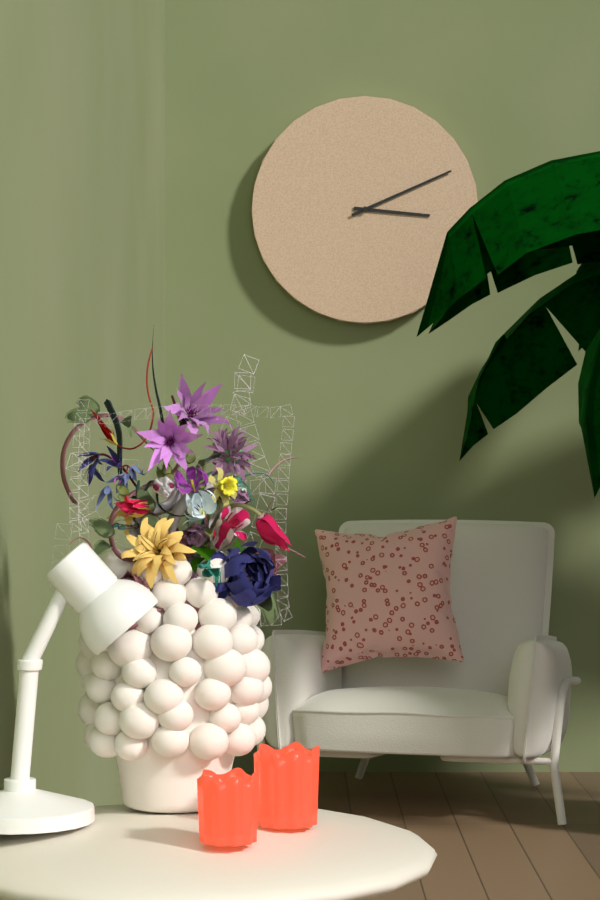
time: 3:11
